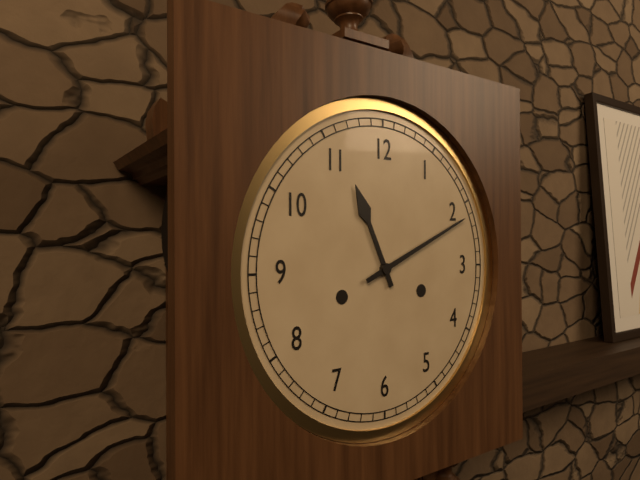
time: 11:11
